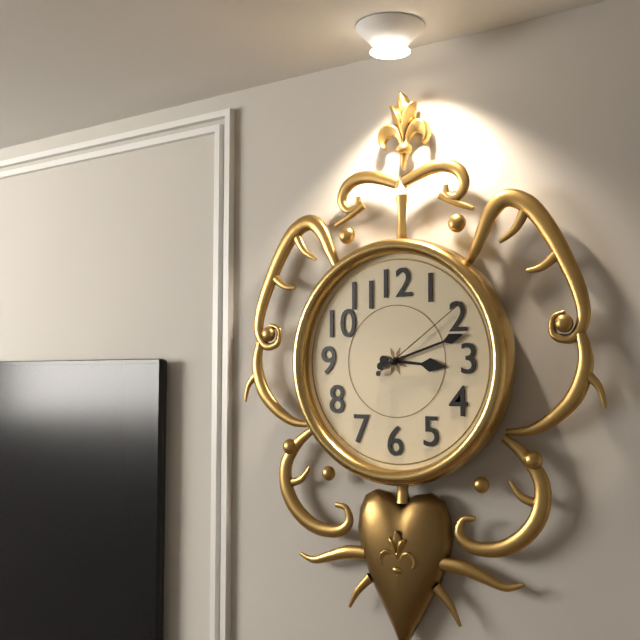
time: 3:12:09
